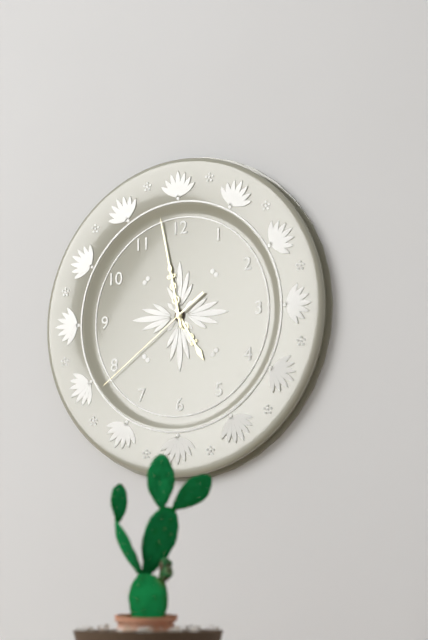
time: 4:58:39
